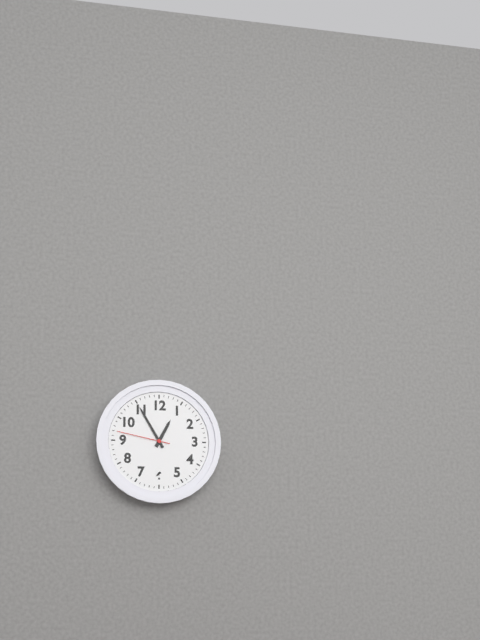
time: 12:55:47
